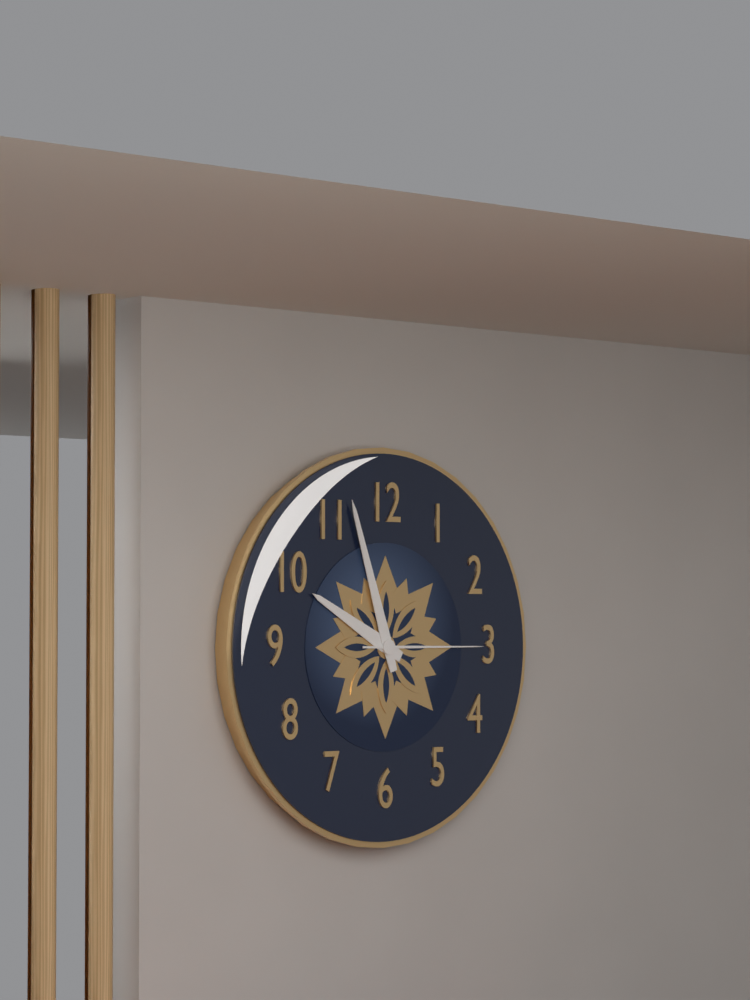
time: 9:57:15
